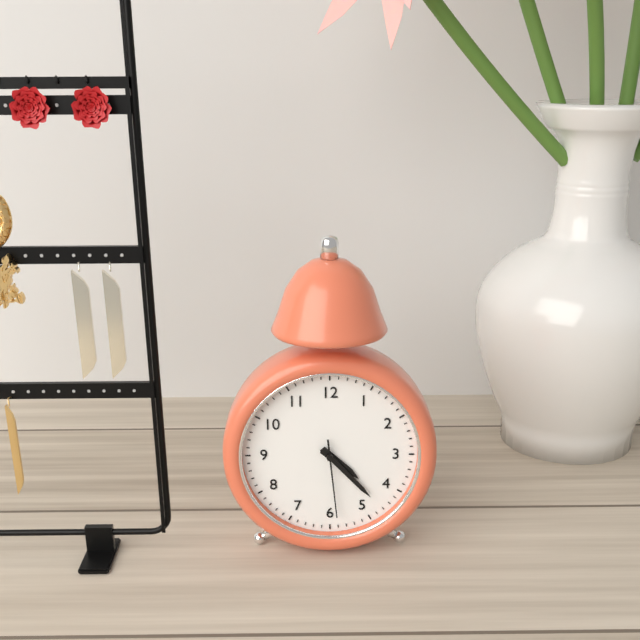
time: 4:23:29
